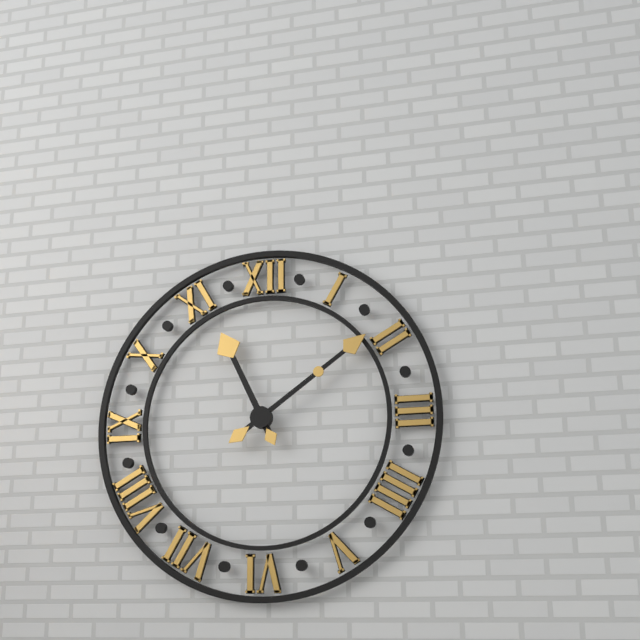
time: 11:09
